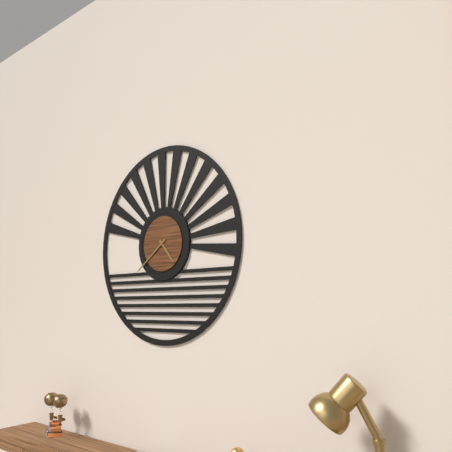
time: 4:39
